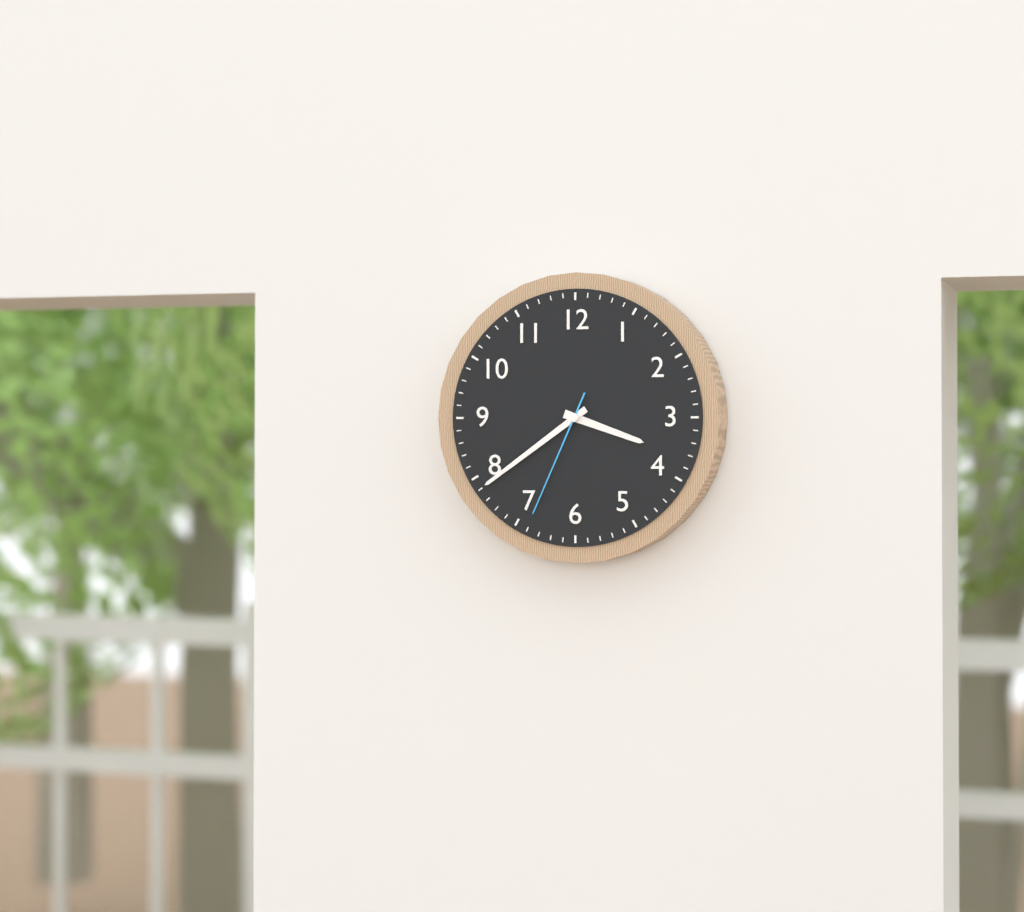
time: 3:39:34
